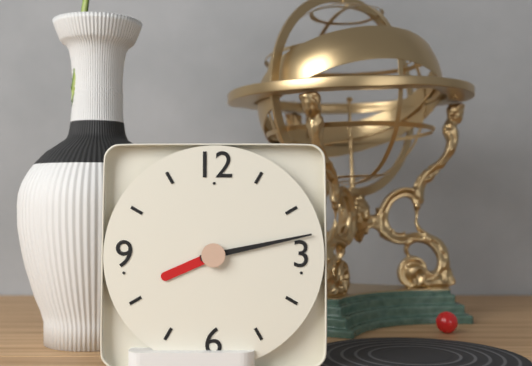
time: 8:13
